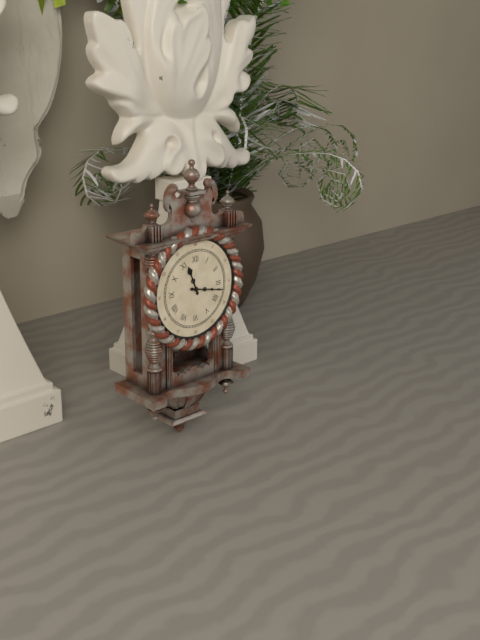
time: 11:17
